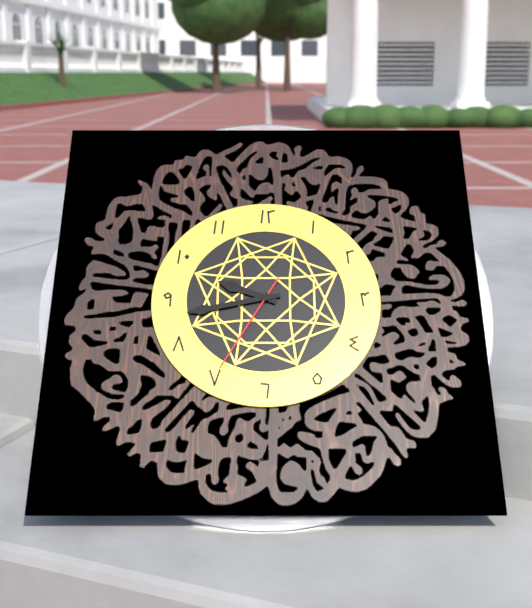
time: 9:43:35
